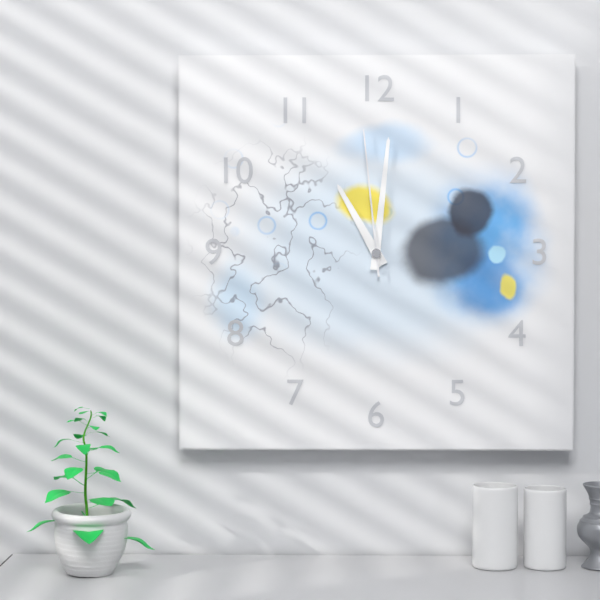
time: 11:01:59
